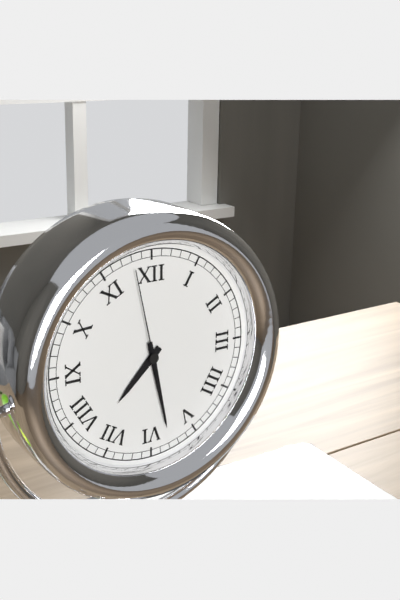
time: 7:28:58
